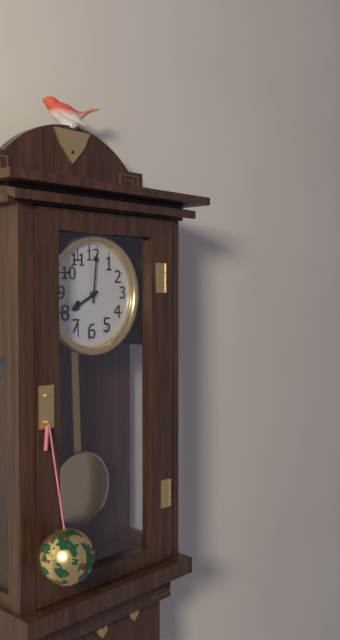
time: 8:01
